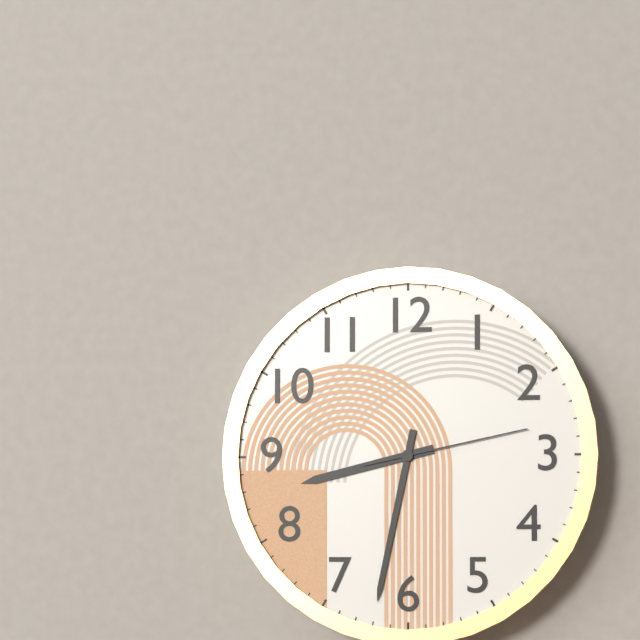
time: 8:32:13
